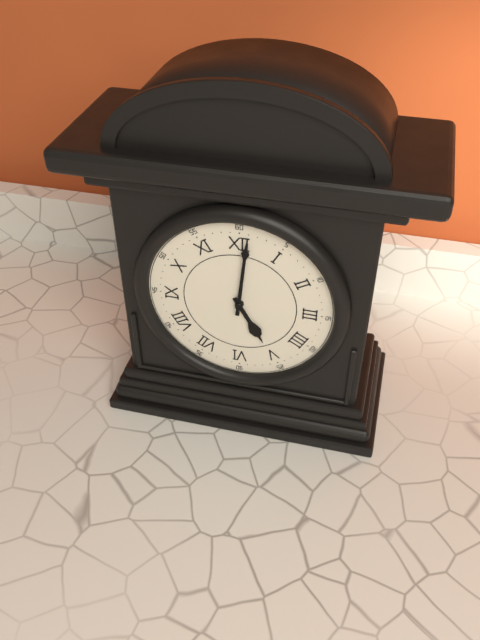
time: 5:01
